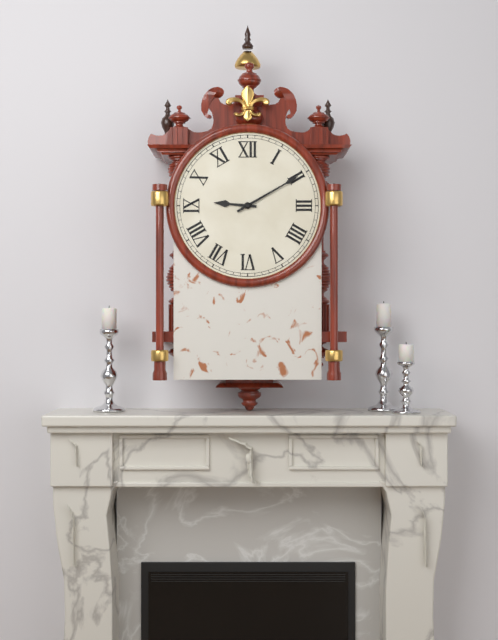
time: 9:10
